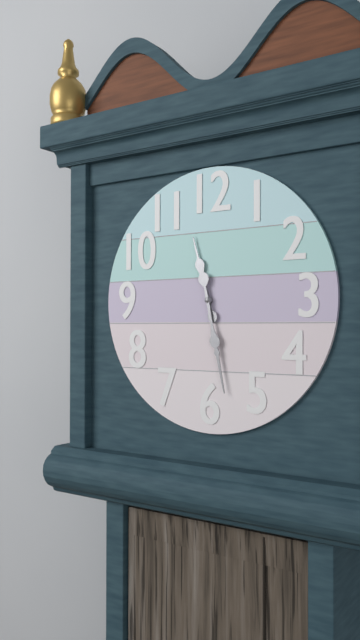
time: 11:28
